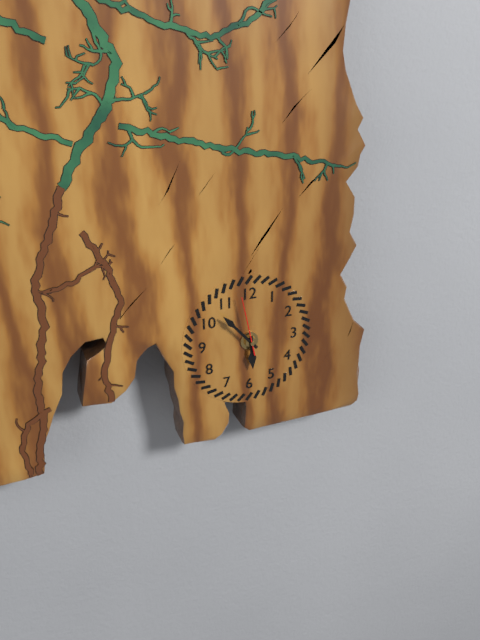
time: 5:53:58
